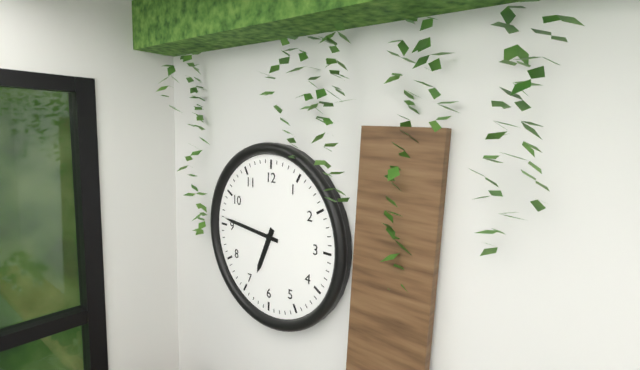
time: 6:46
